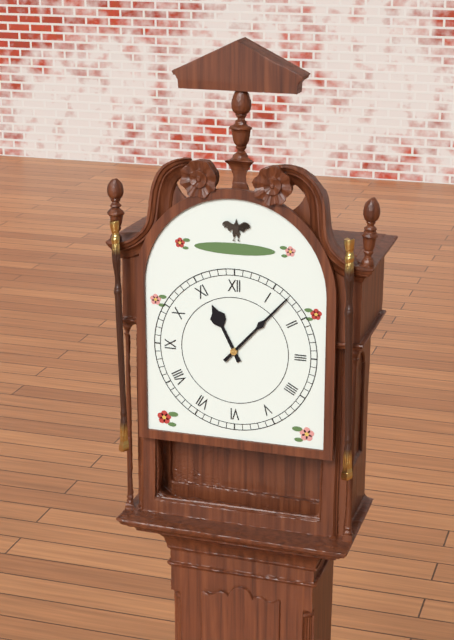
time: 11:07
